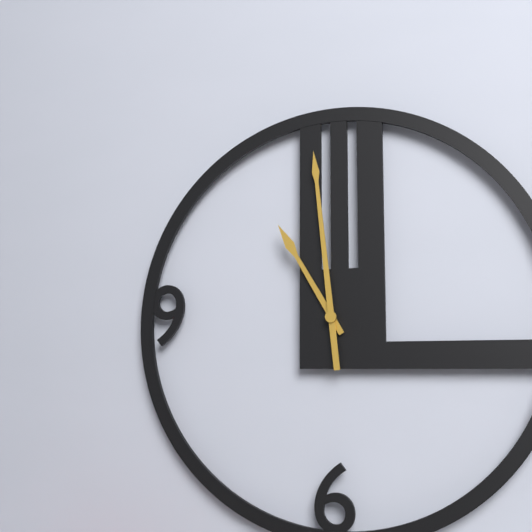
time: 10:59
